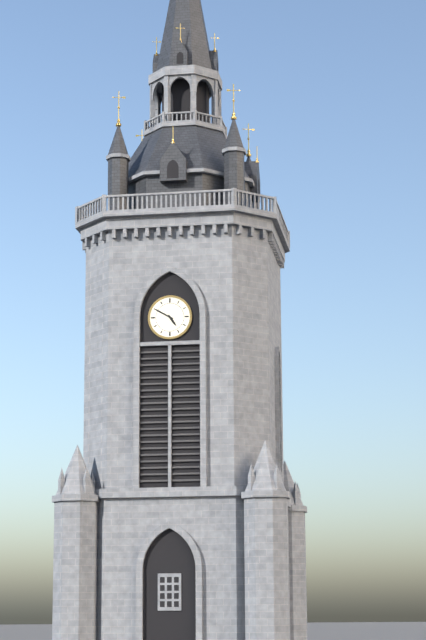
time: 4:50
